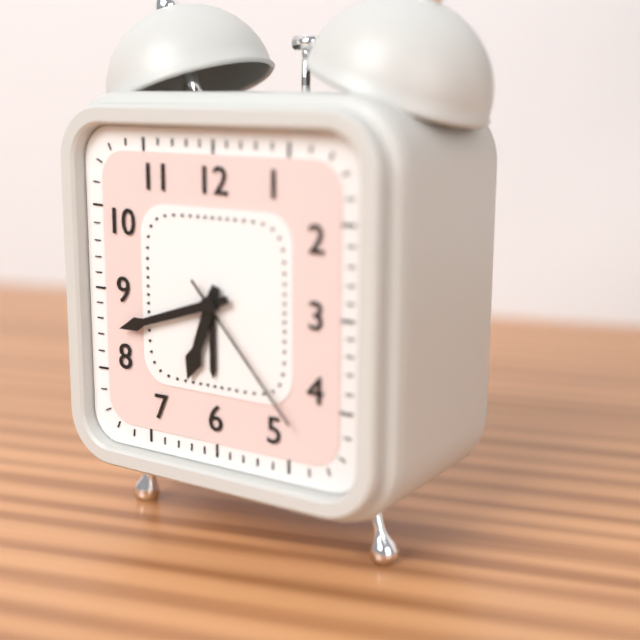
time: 6:42:23
